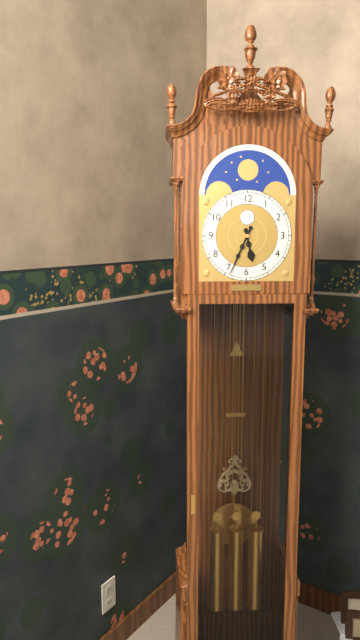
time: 5:34
